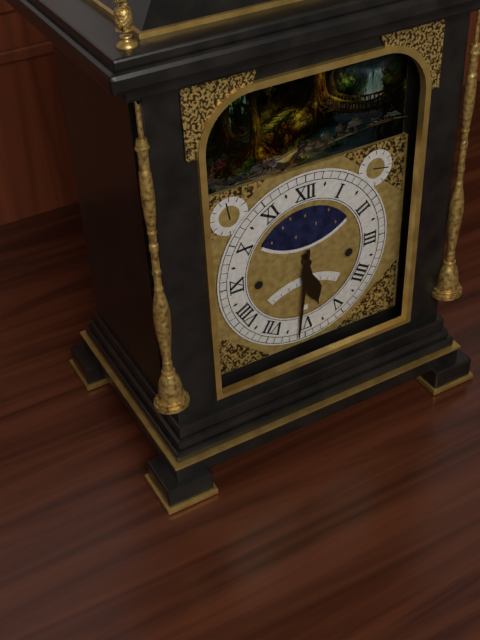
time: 5:31
